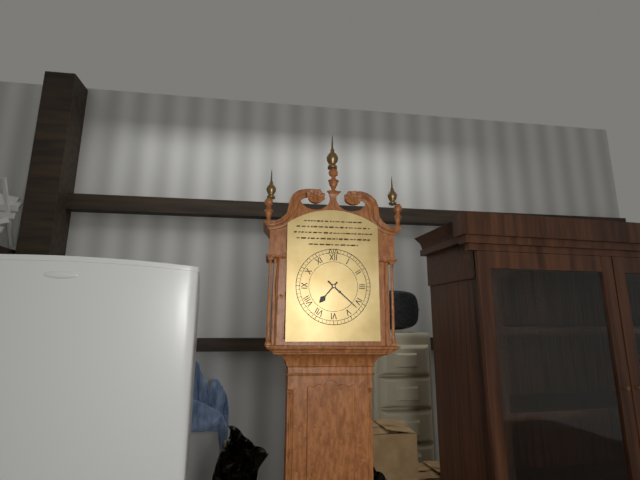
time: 7:22
